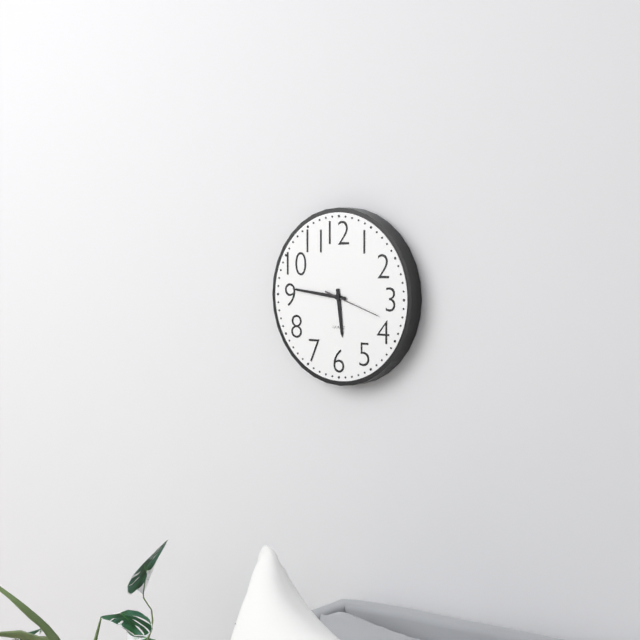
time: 5:46:18
